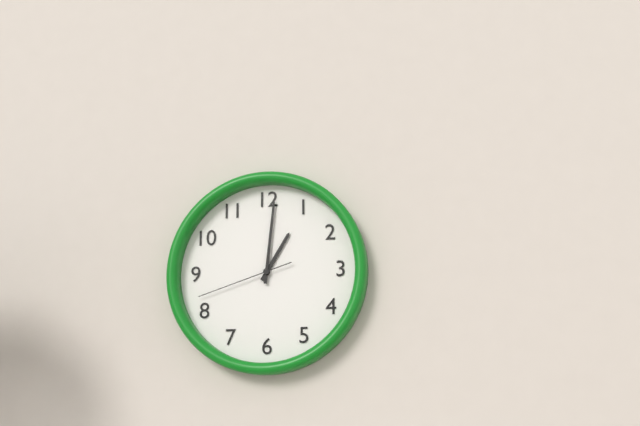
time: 1:01:42
